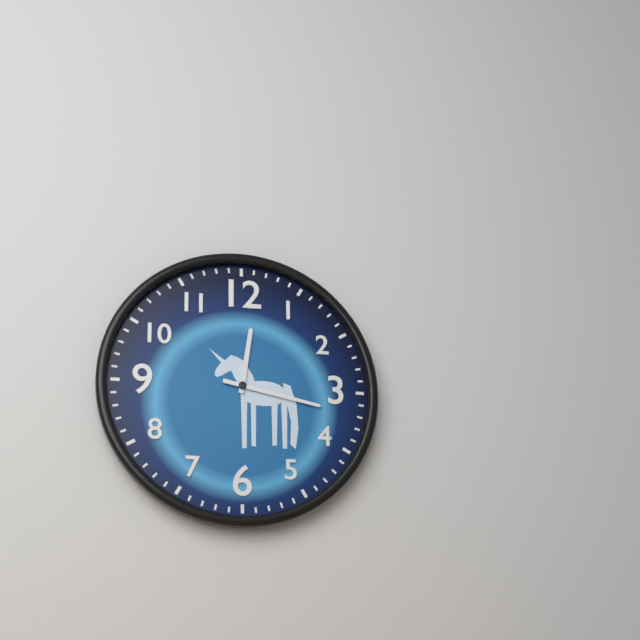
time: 12:17
